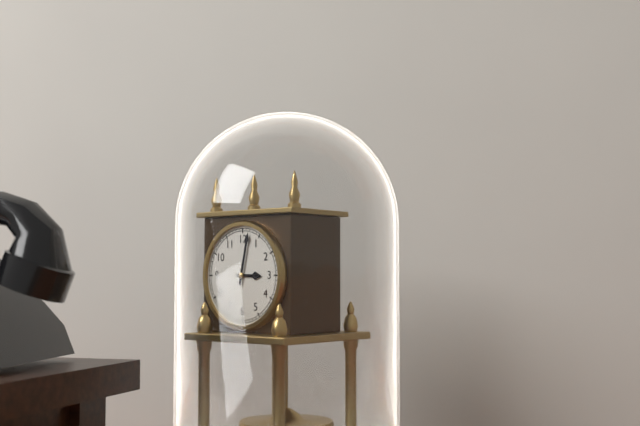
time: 3:02
